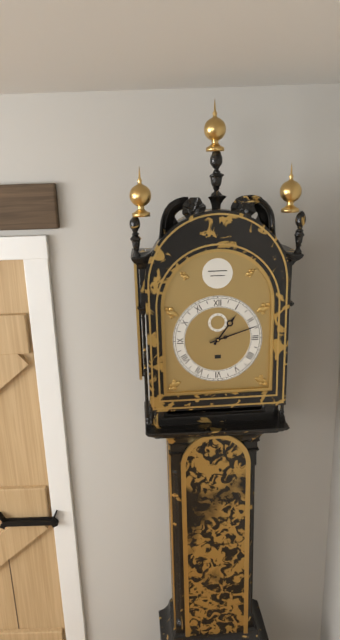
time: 1:12
